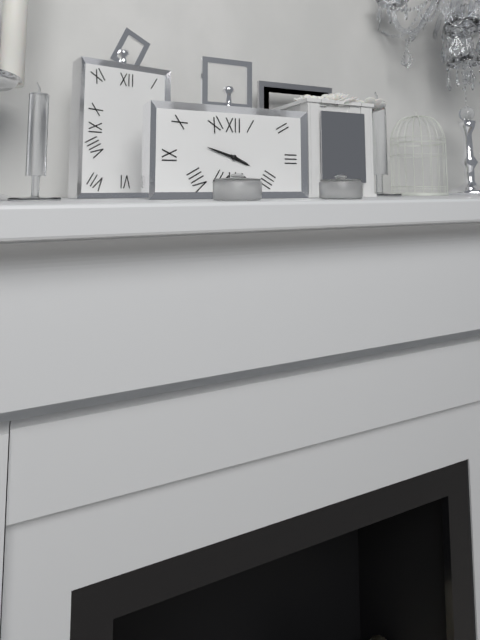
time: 3:48
